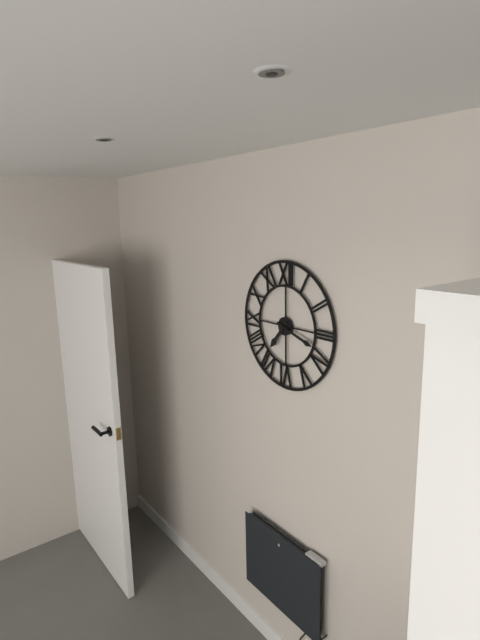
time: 7:18
